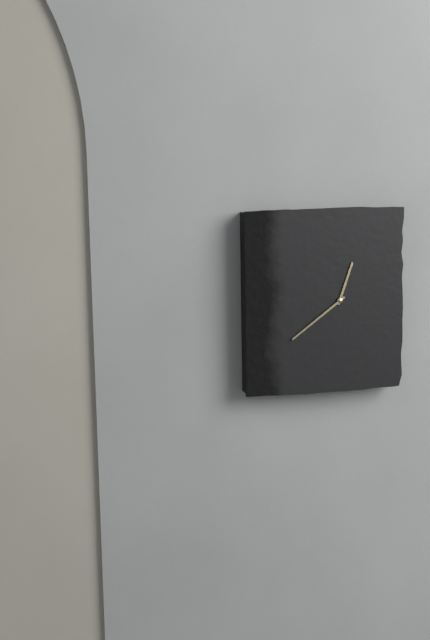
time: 12:39
